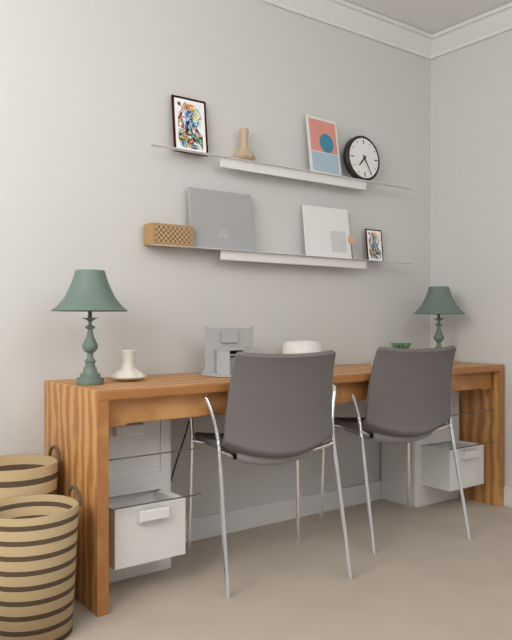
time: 7:25
